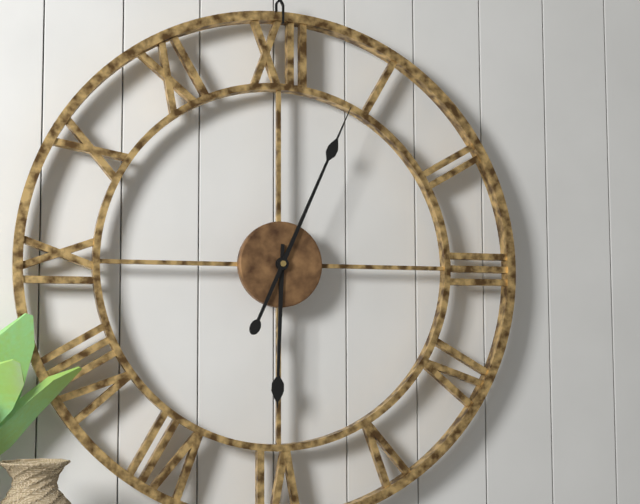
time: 6:04
